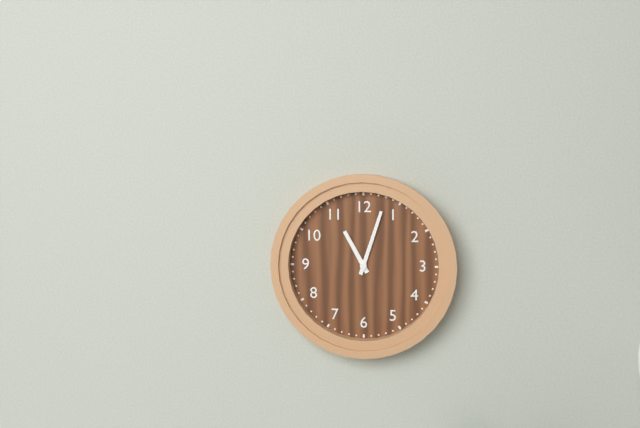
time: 11:03
